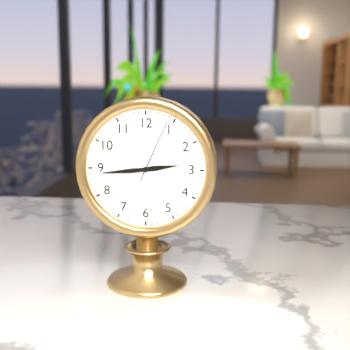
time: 2:44:04
